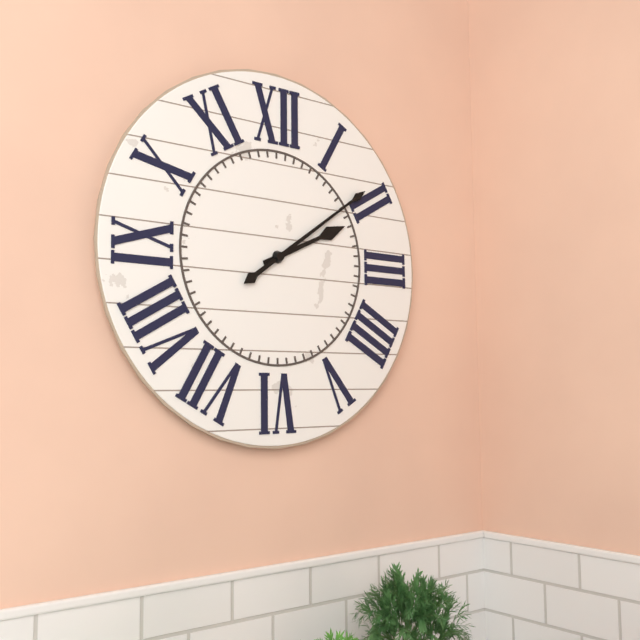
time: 2:09
